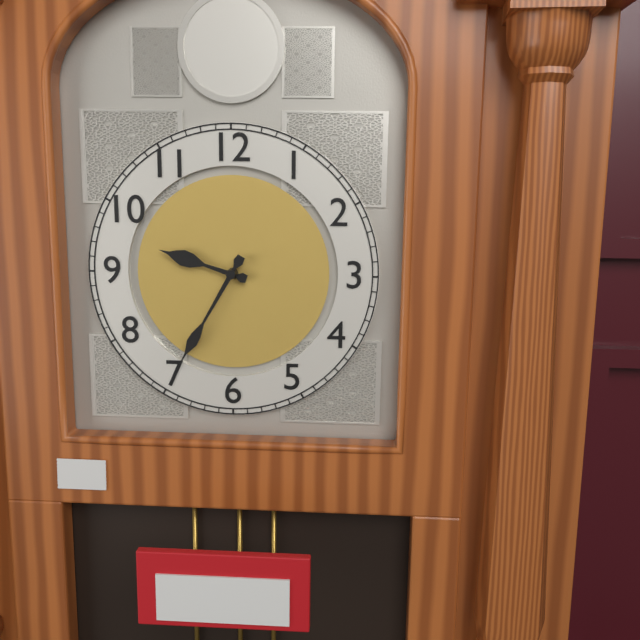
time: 9:35
